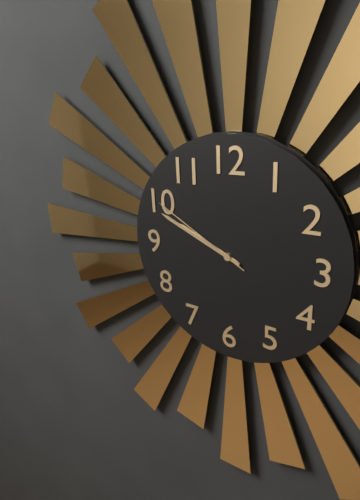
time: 9:49:50
